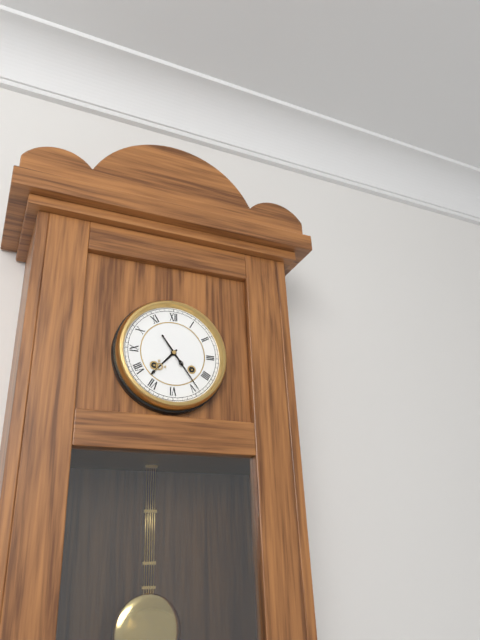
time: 7:24
